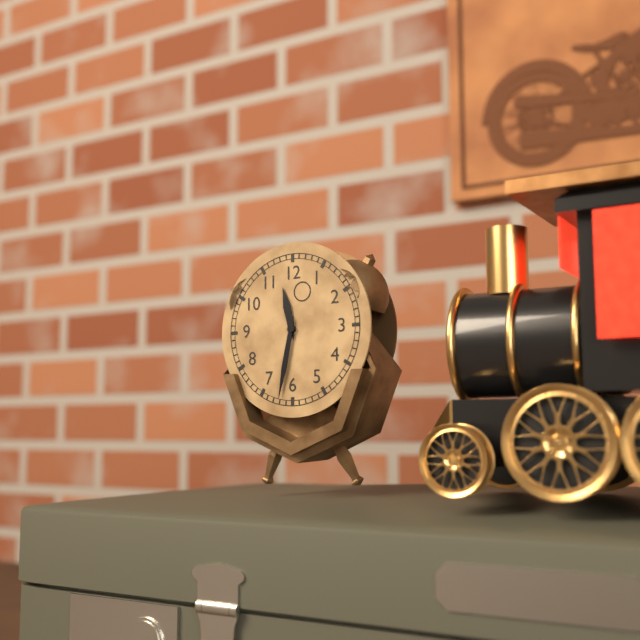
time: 11:32
